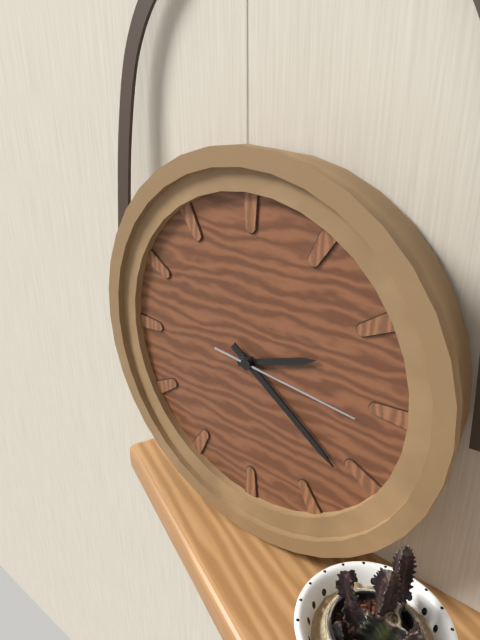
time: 2:21:16
